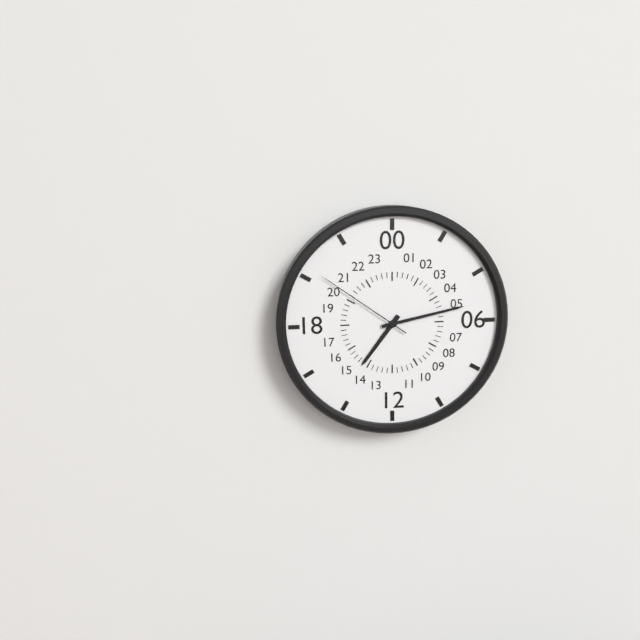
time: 7:13:51
